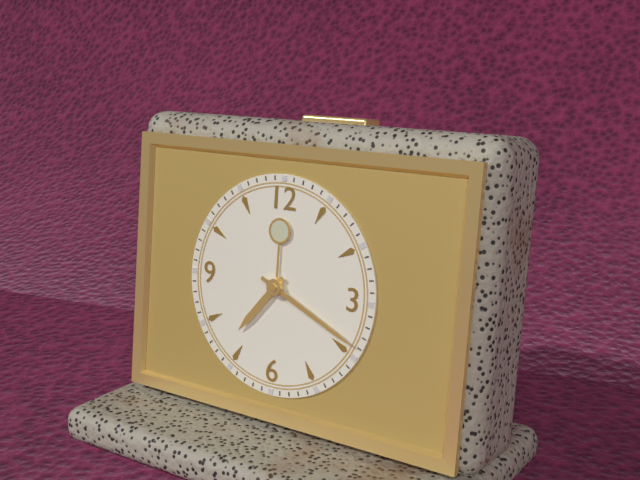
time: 7:19
